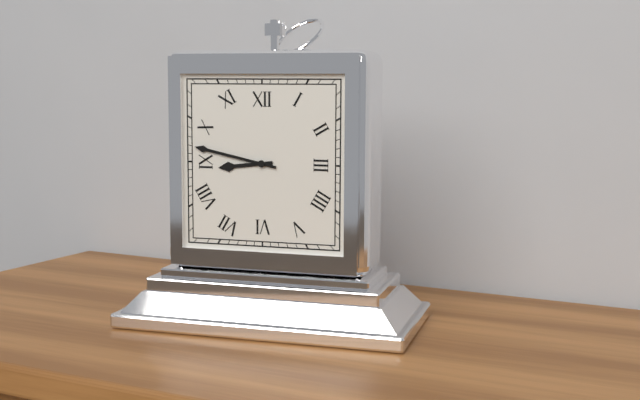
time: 8:47
